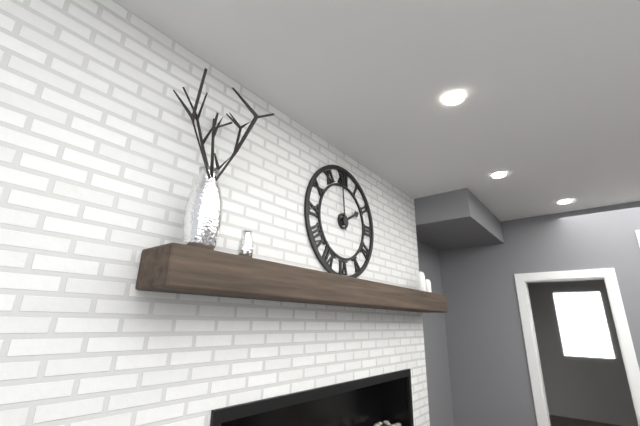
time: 1:59
